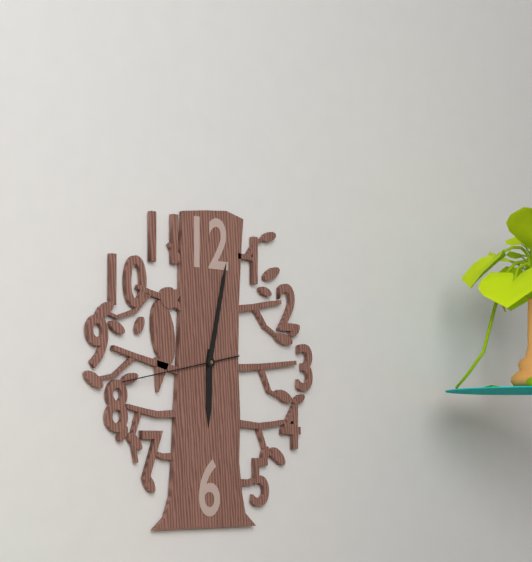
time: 6:02:43
